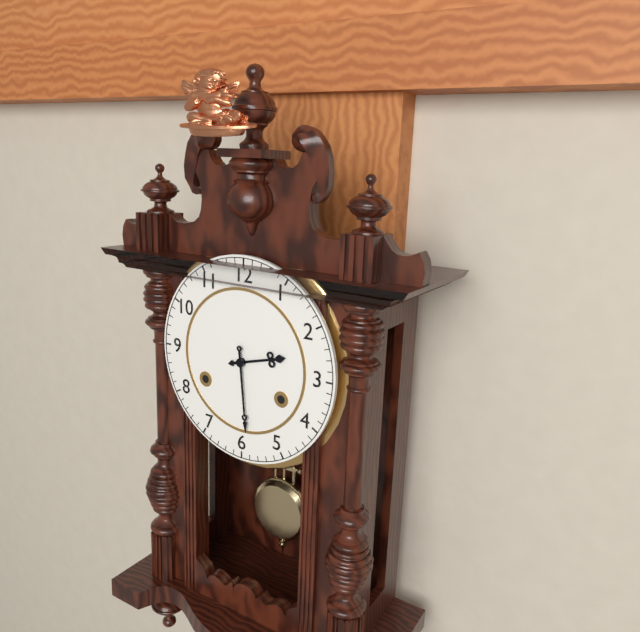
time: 2:29
